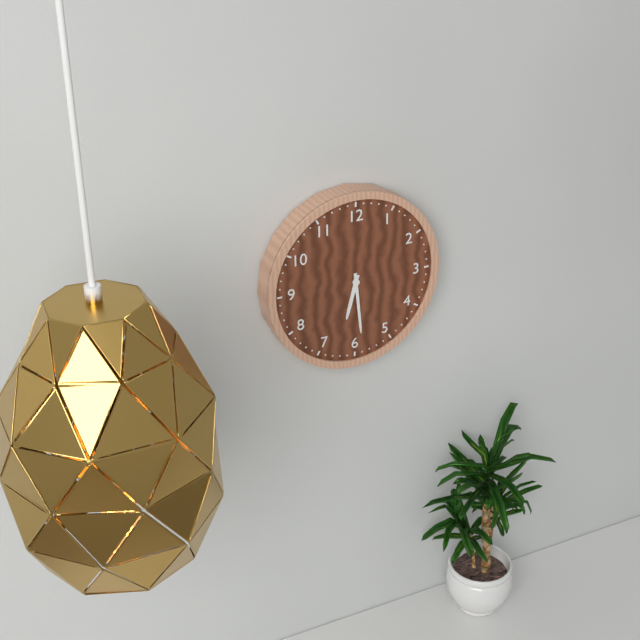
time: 6:29
